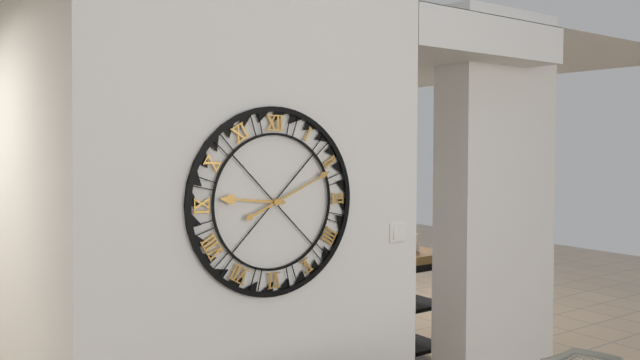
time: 9:11
